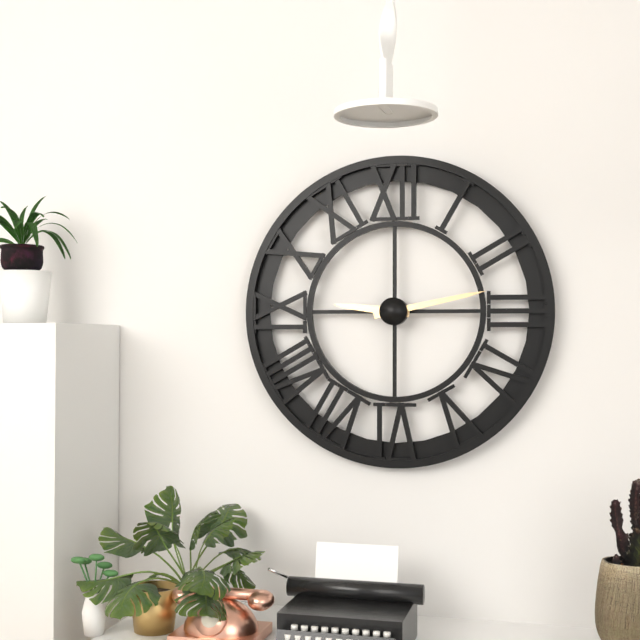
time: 9:13
